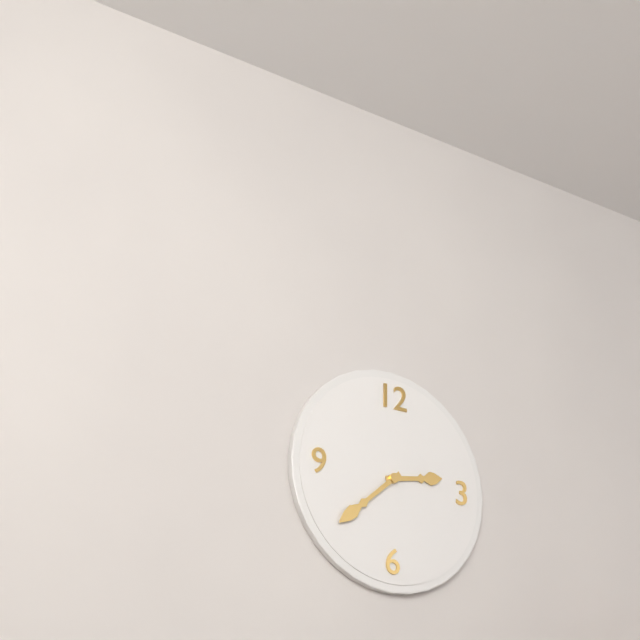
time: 2:38
